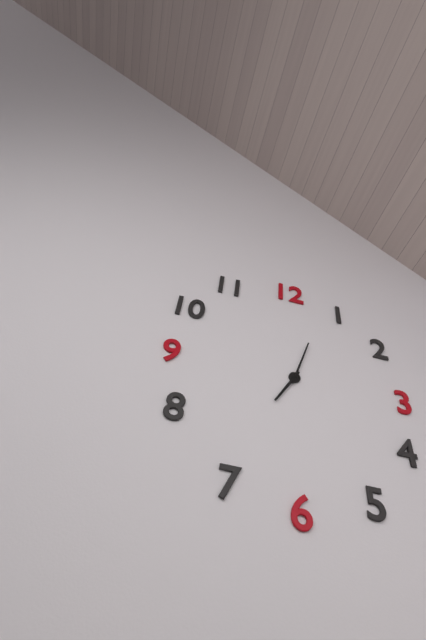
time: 7:03
